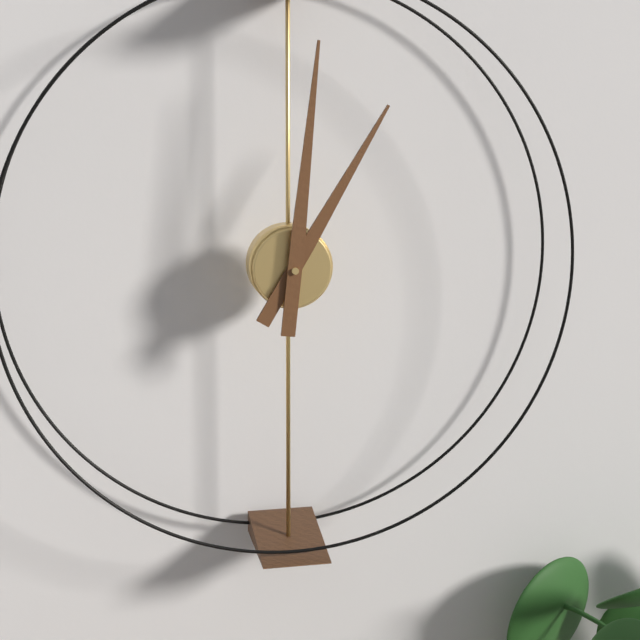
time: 1:01
